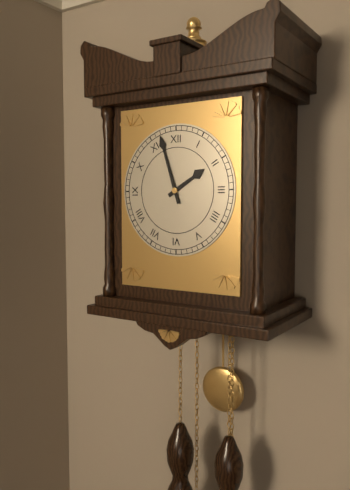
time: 1:57
